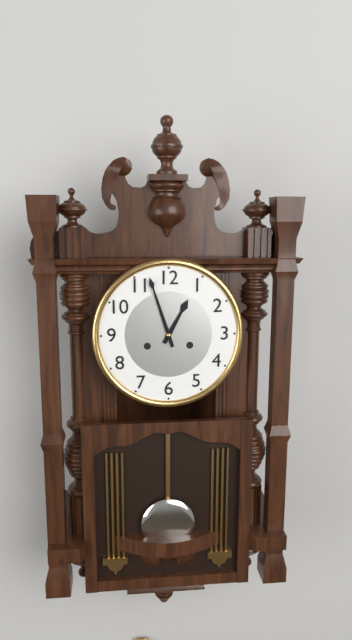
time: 12:57
